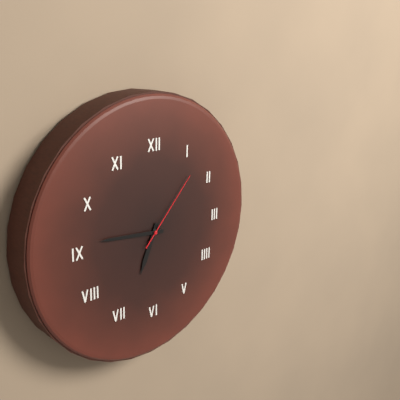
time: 6:46:07
